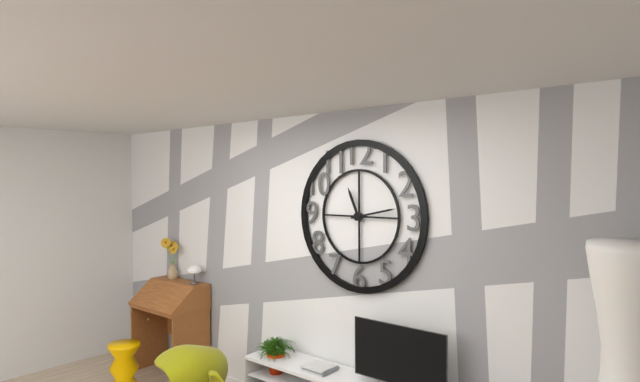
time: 11:13
